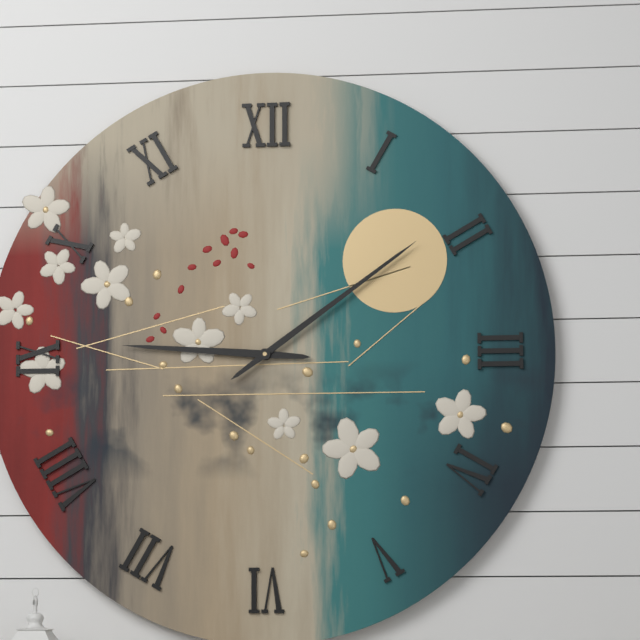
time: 9:09
